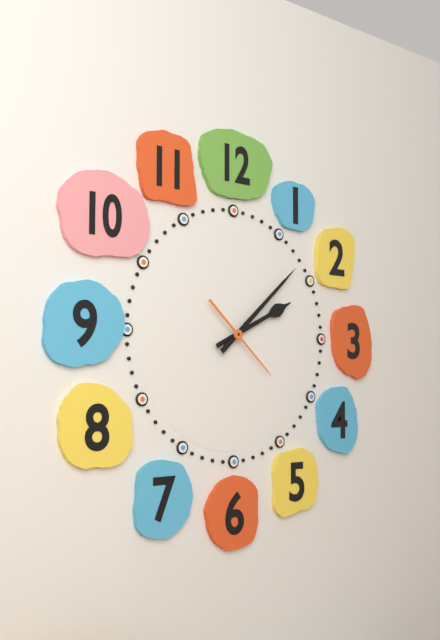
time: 2:08:22
